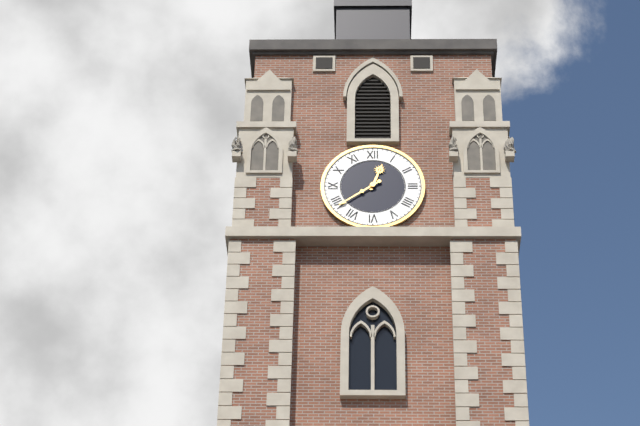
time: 12:39
